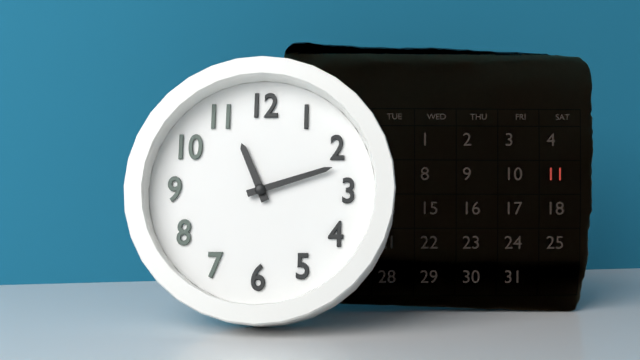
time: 11:12
